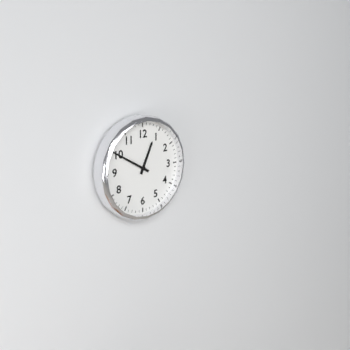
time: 12:50
